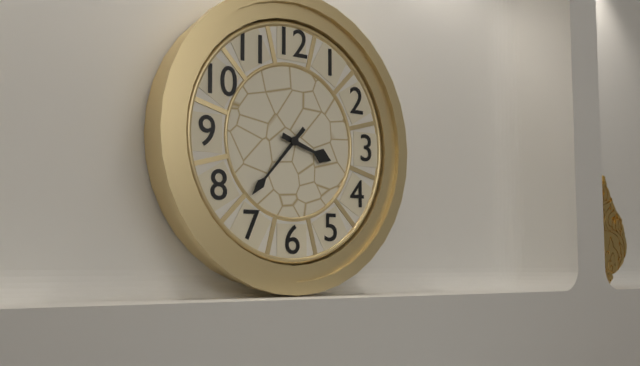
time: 3:37
